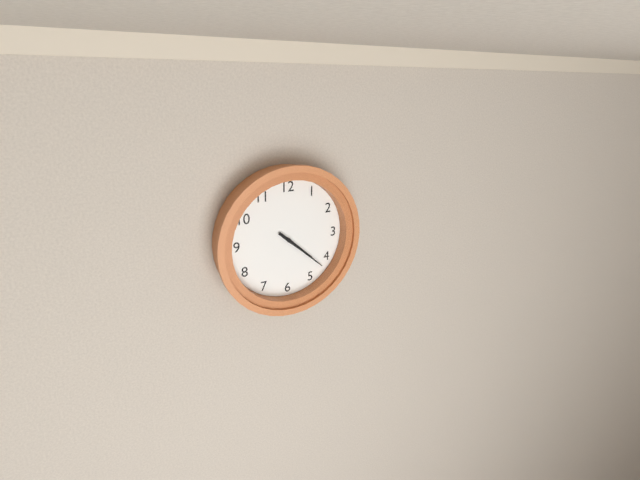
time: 4:22
